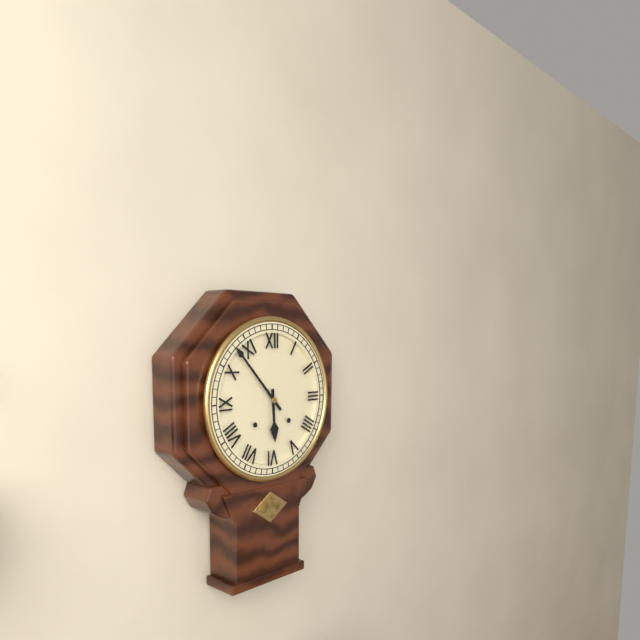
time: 5:53
